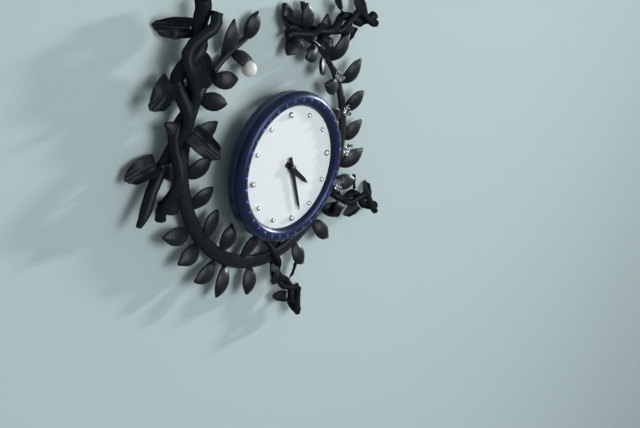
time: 4:28
